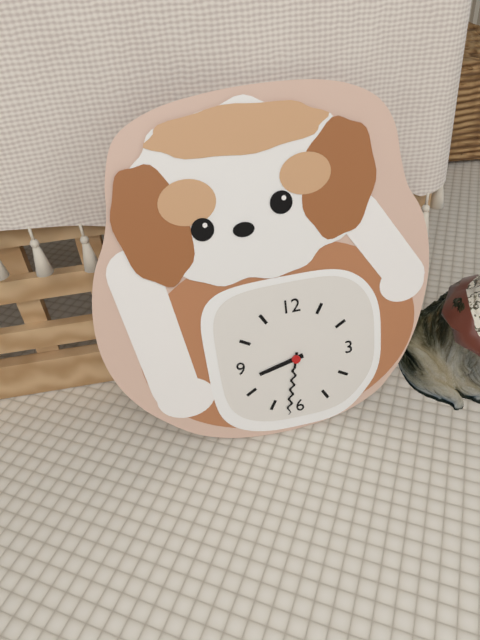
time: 8:32
